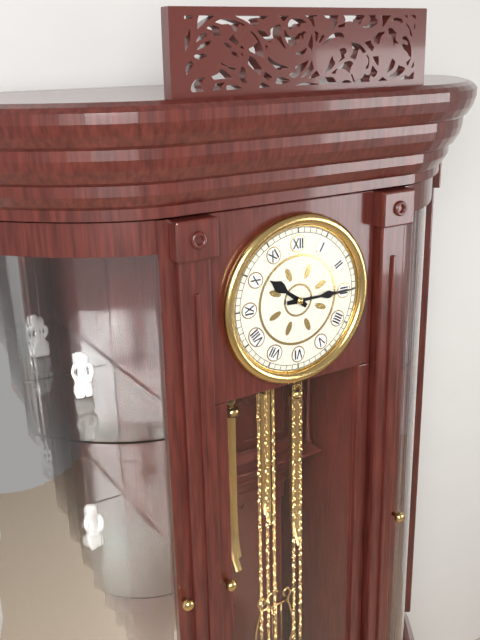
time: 10:15
